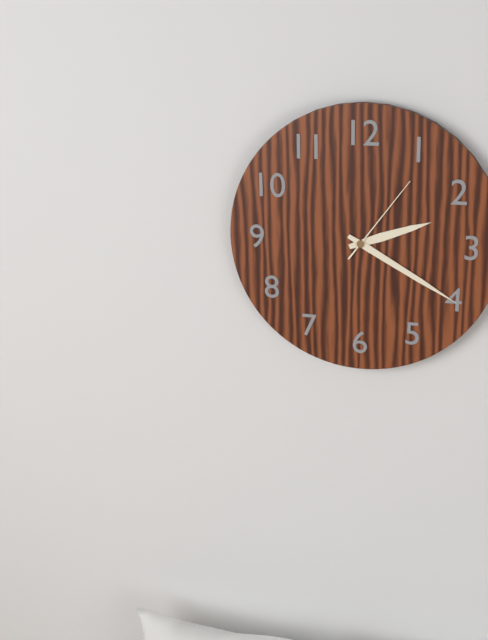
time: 2:20:06
